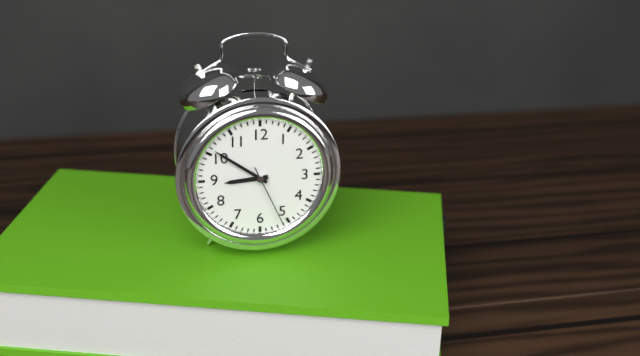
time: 8:51:26
